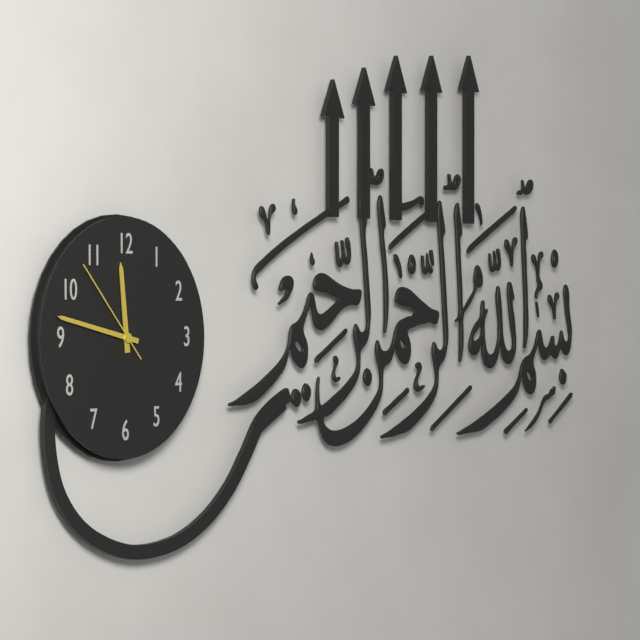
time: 11:47:53
